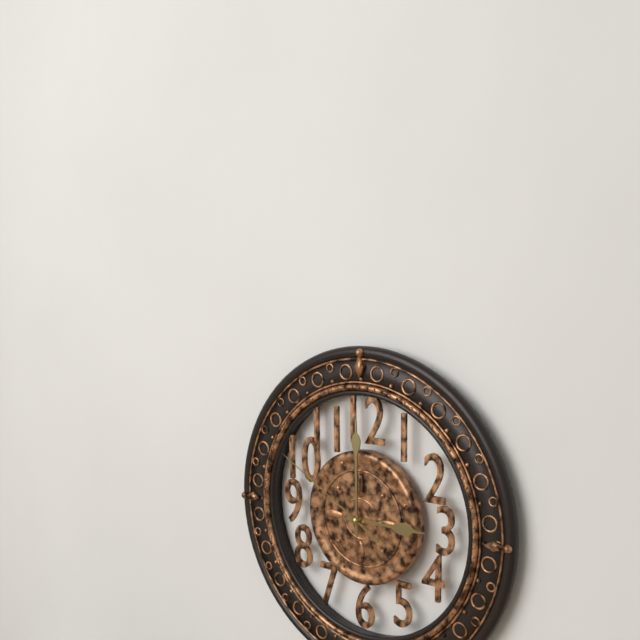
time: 3:00:50
